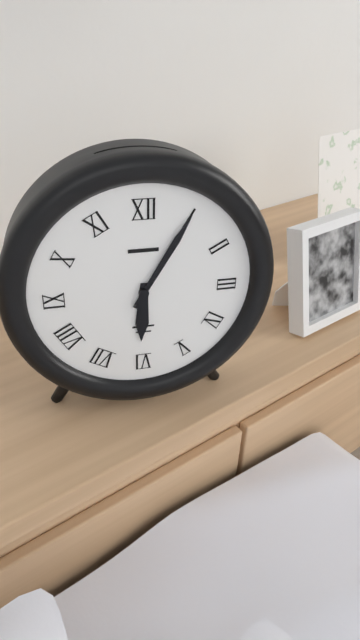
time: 6:05
